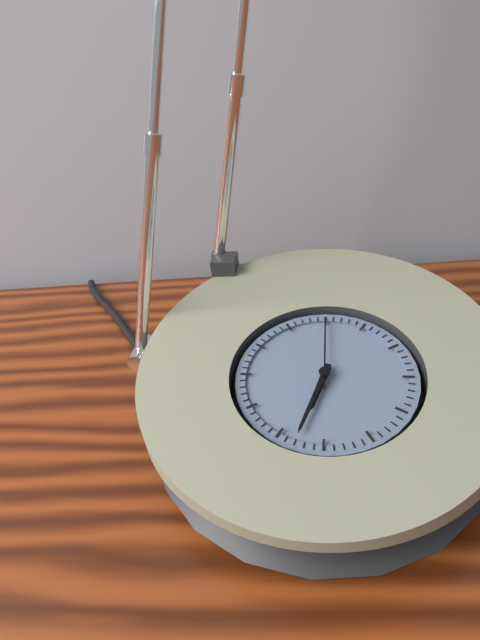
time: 6:33:00
